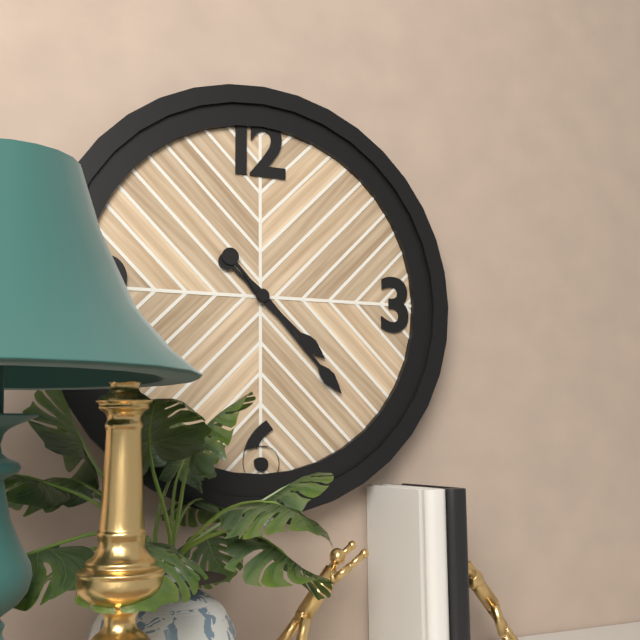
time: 4:23
